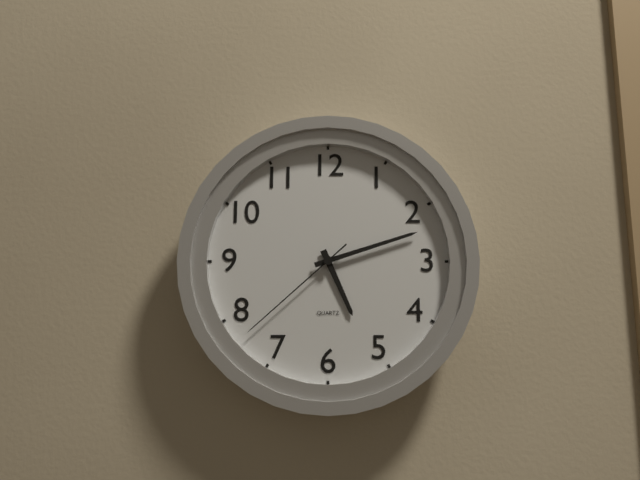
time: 5:12:38
